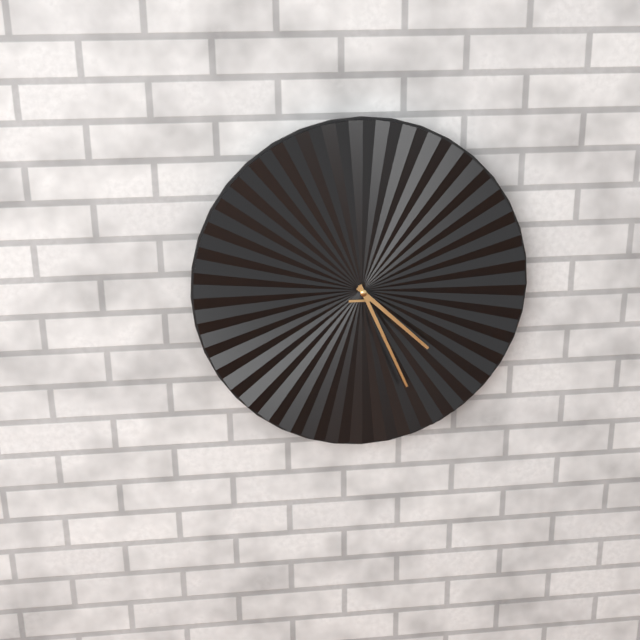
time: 4:26
